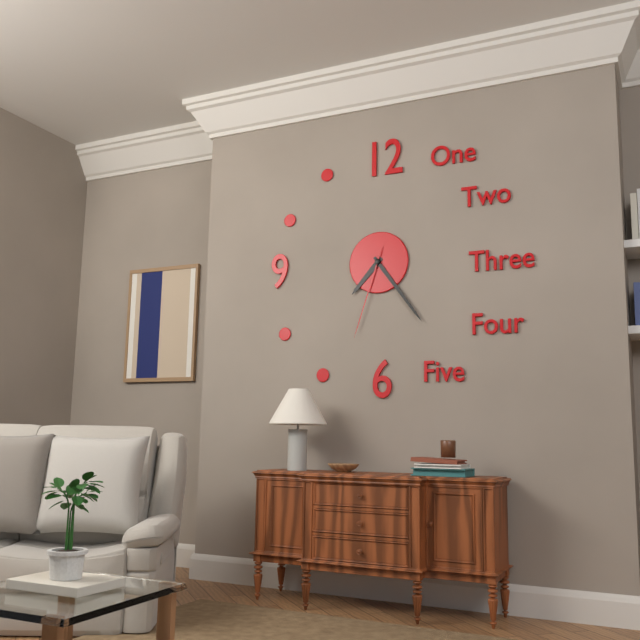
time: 7:24:33
